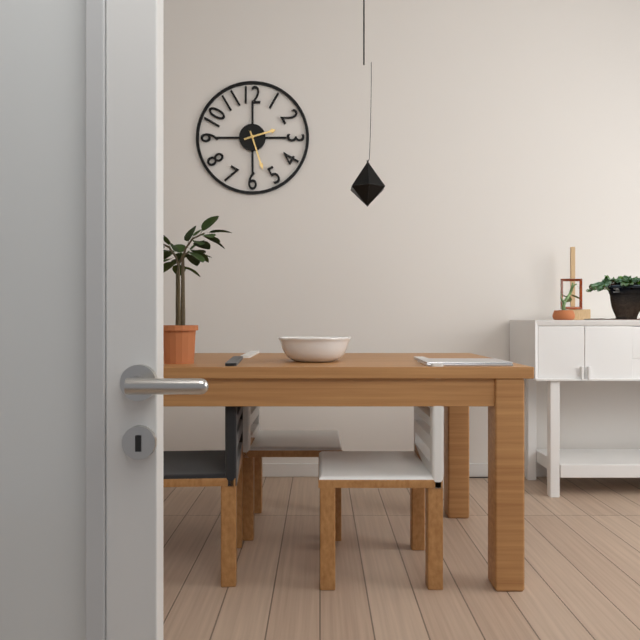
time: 2:27
